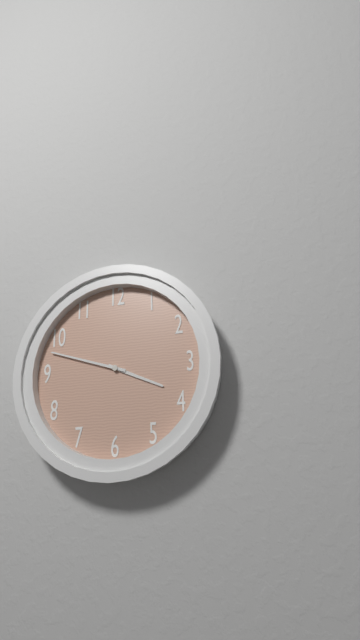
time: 3:48
